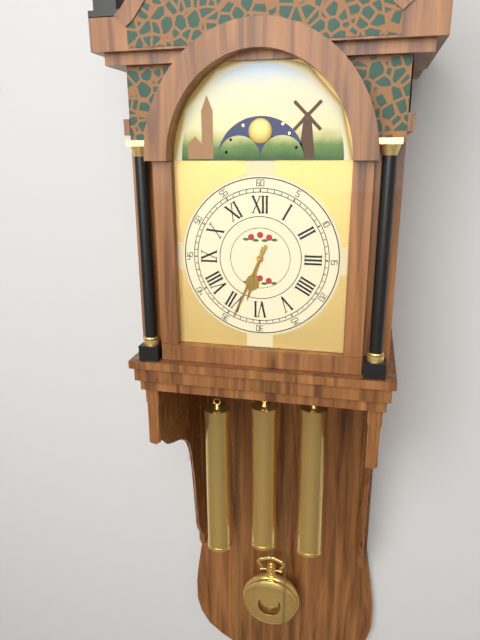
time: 6:34
